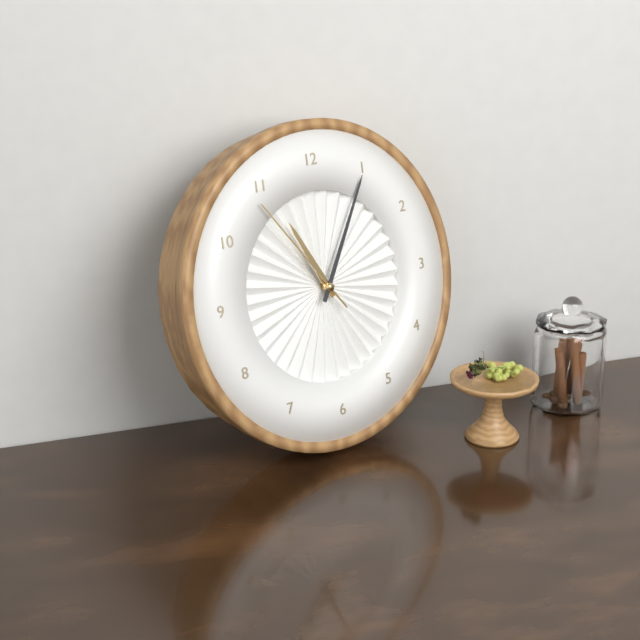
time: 11:05:54
